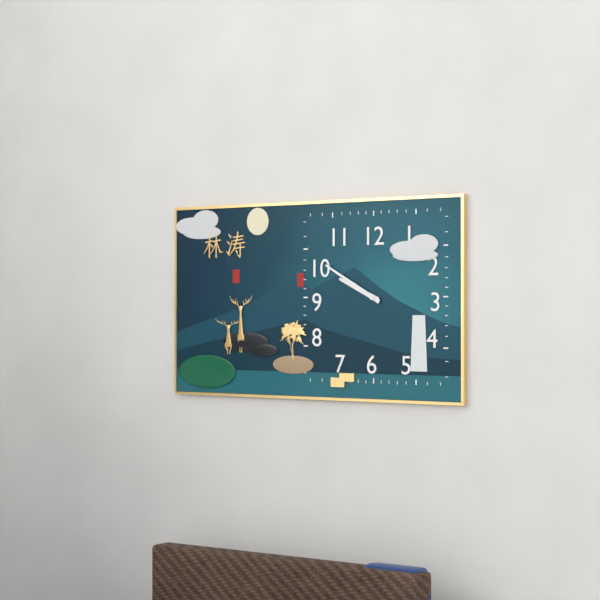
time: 9:50
